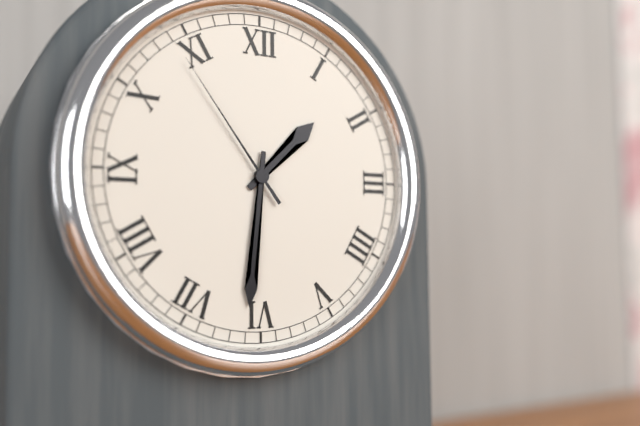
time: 1:31:54
